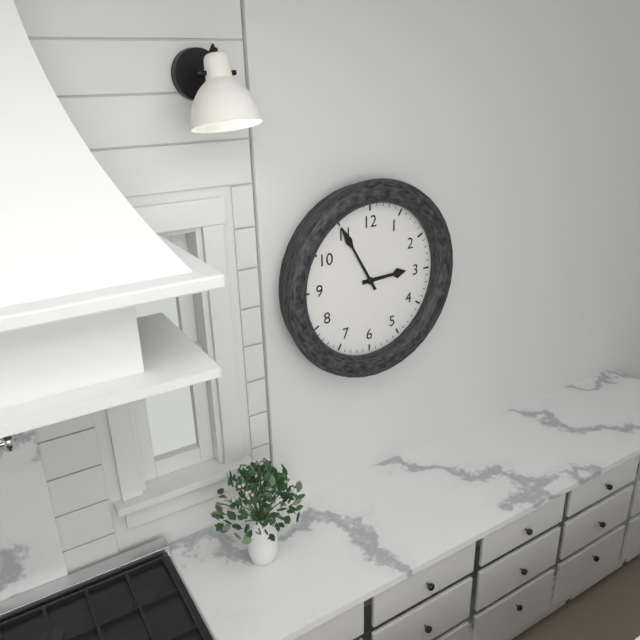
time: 2:55
